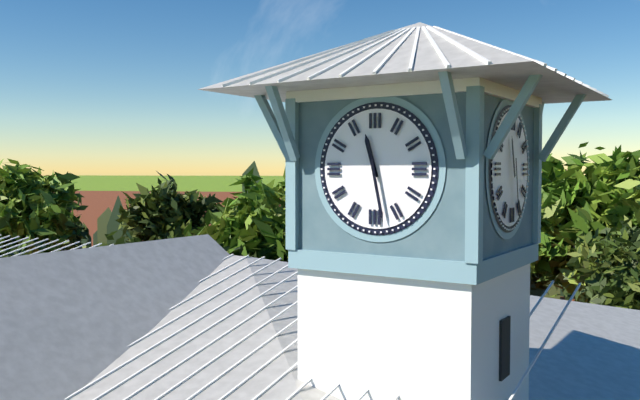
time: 11:28
